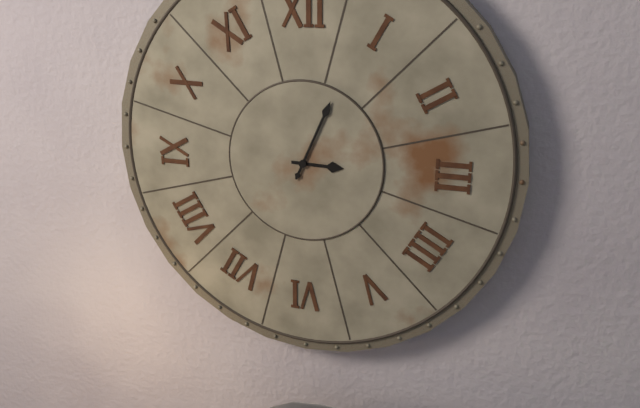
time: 3:04
